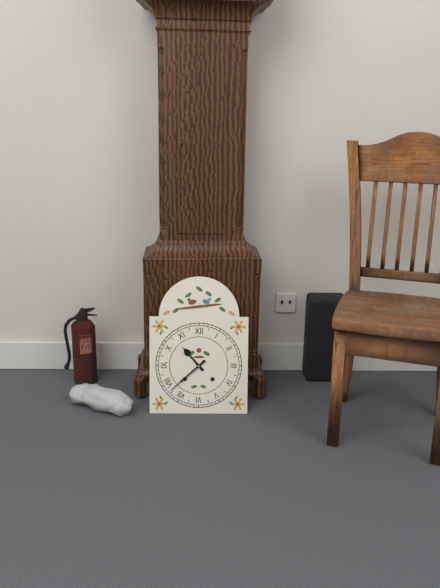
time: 10:38
